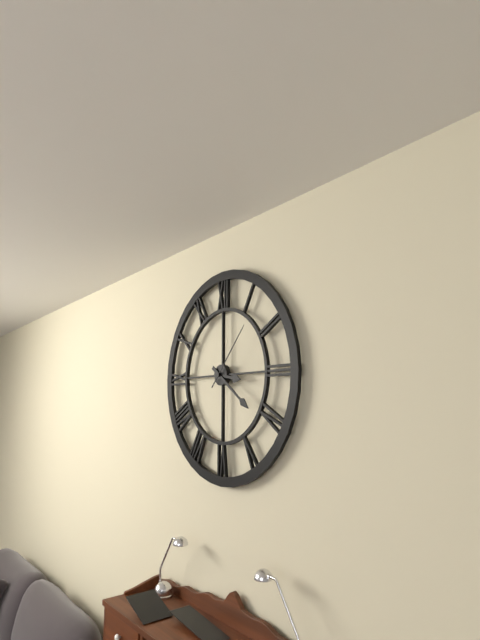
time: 3:21:07
